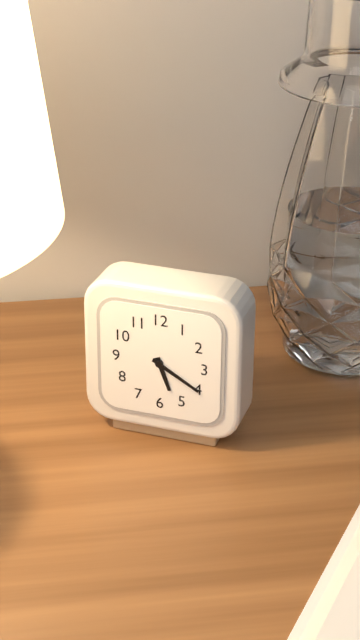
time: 5:20
